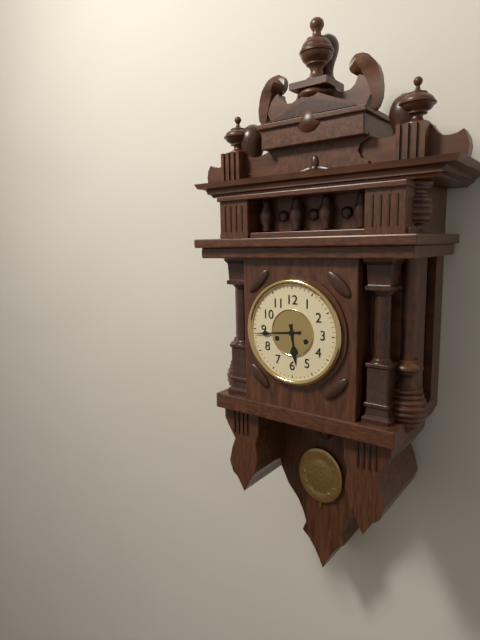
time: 5:44
